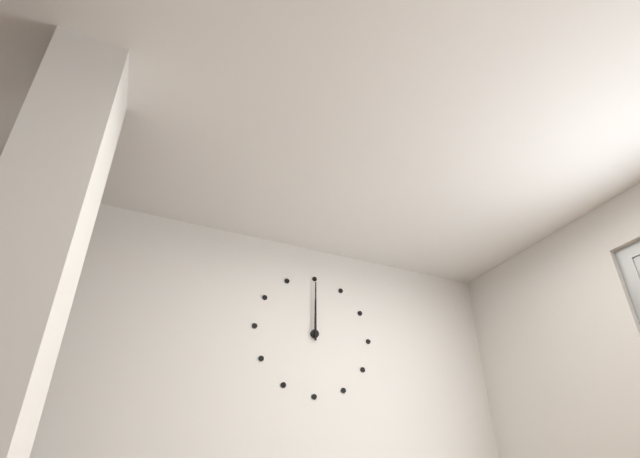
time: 12:00
